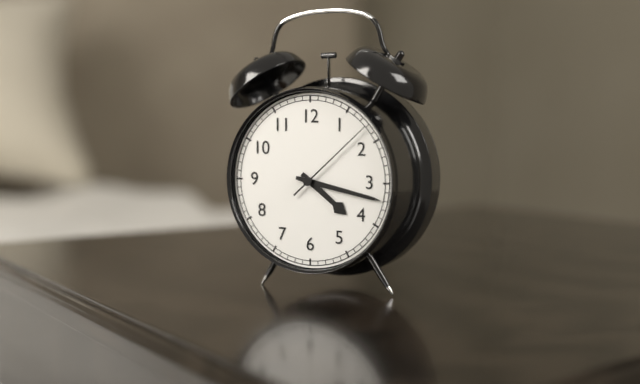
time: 4:17:08
